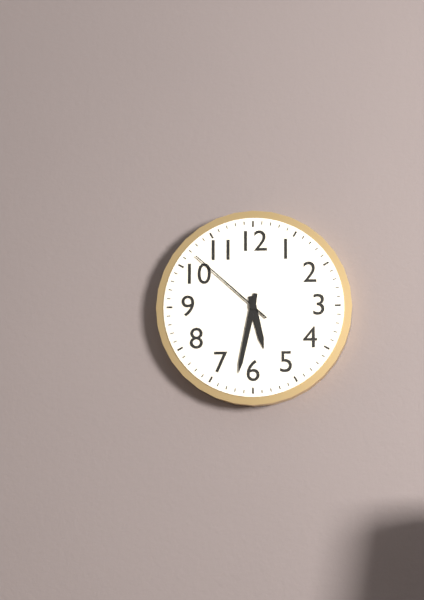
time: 5:32:52
